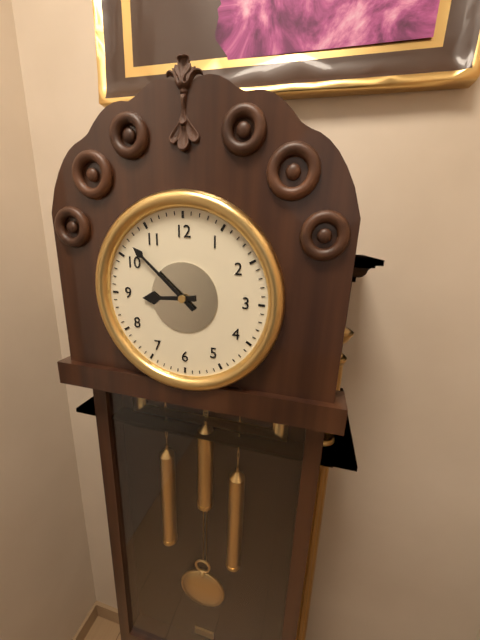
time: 8:52
